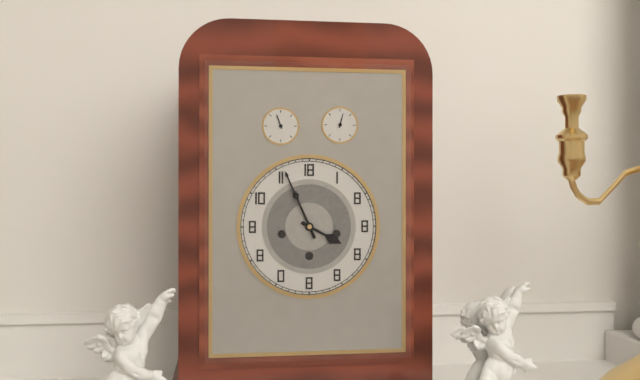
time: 3:56
